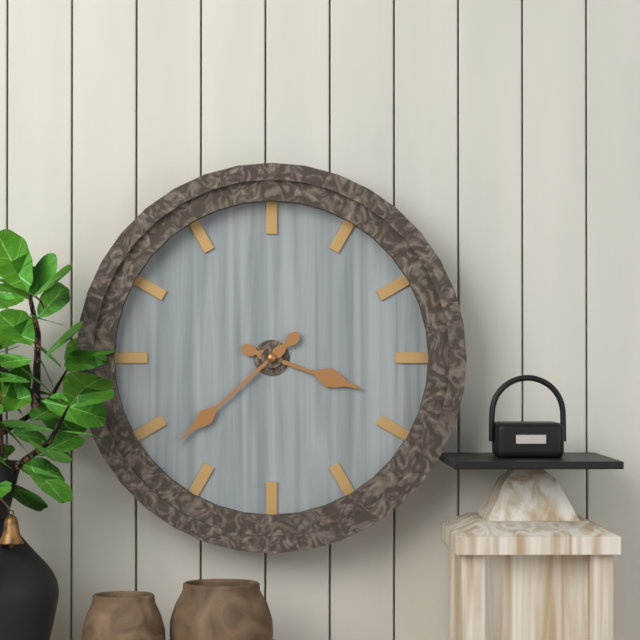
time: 3:38
